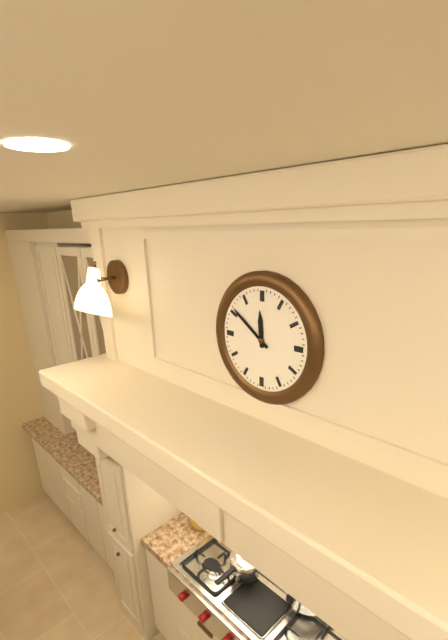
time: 11:51
